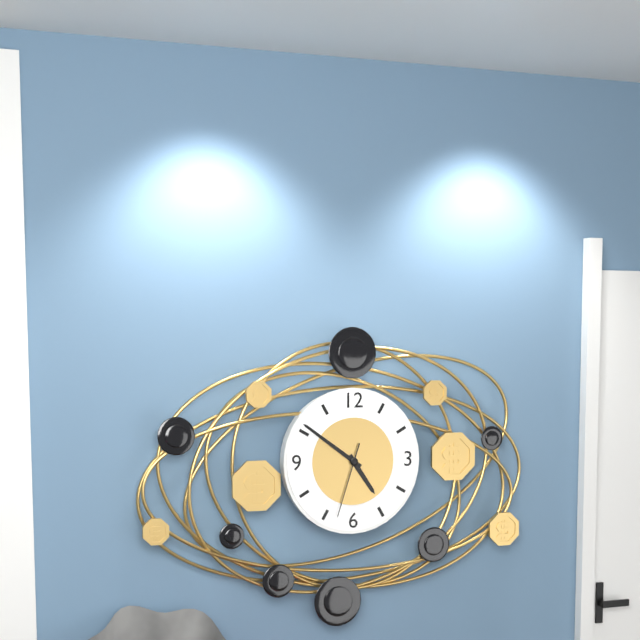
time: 4:51:33
